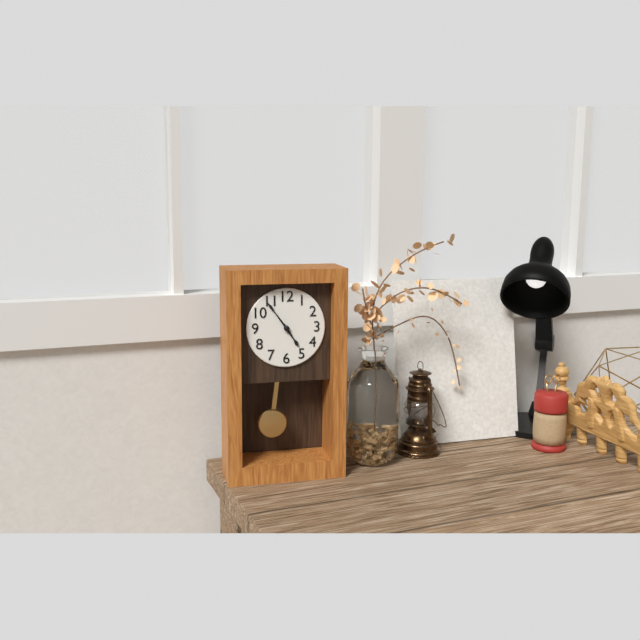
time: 4:54
